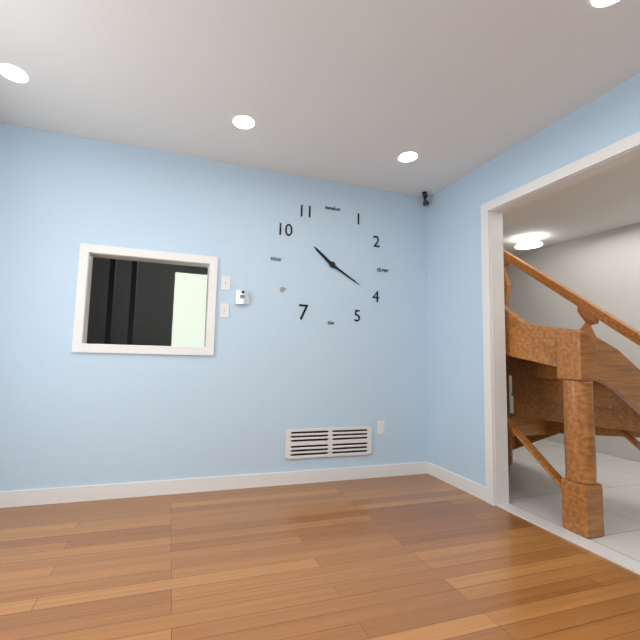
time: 10:20
